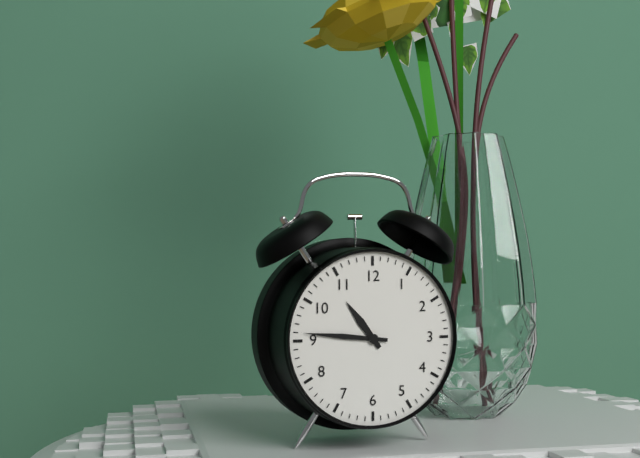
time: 10:46
